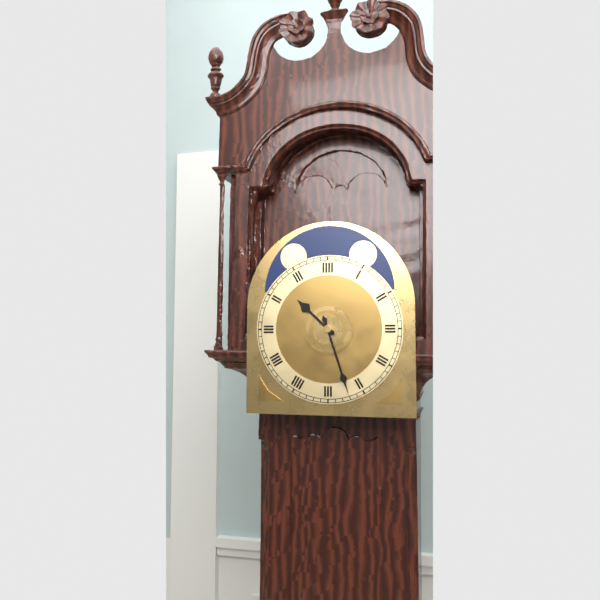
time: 10:27
